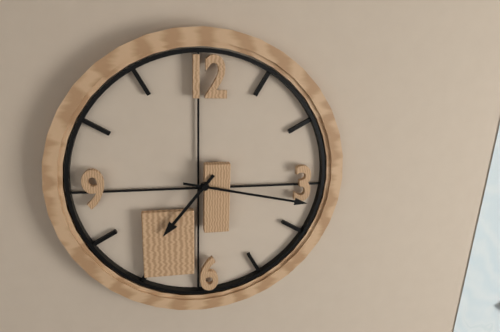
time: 7:17
